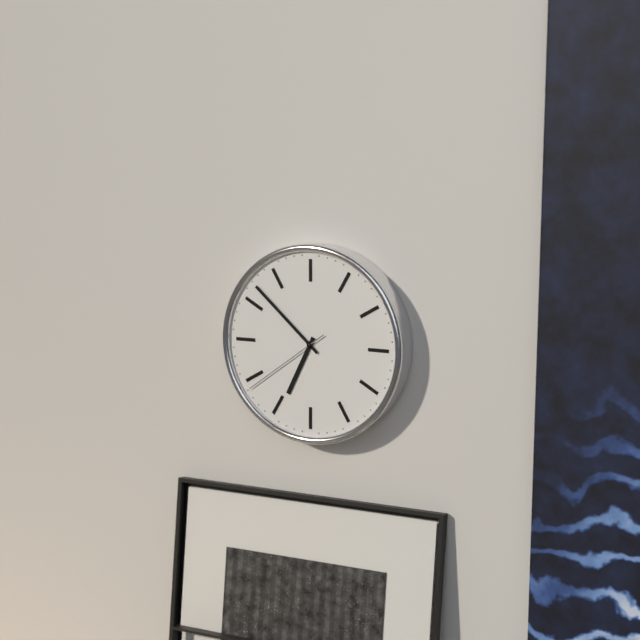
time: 6:52:39
